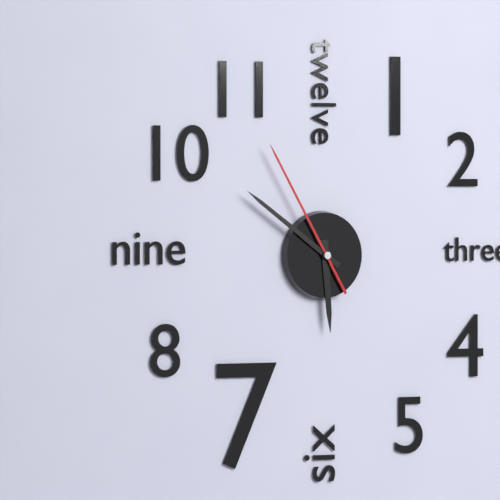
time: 5:51:55
